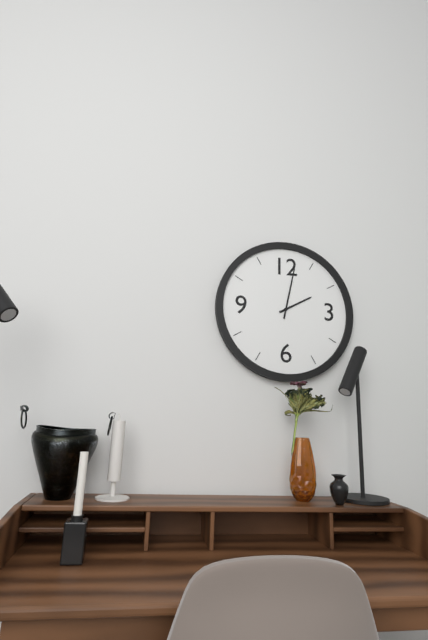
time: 2:02
